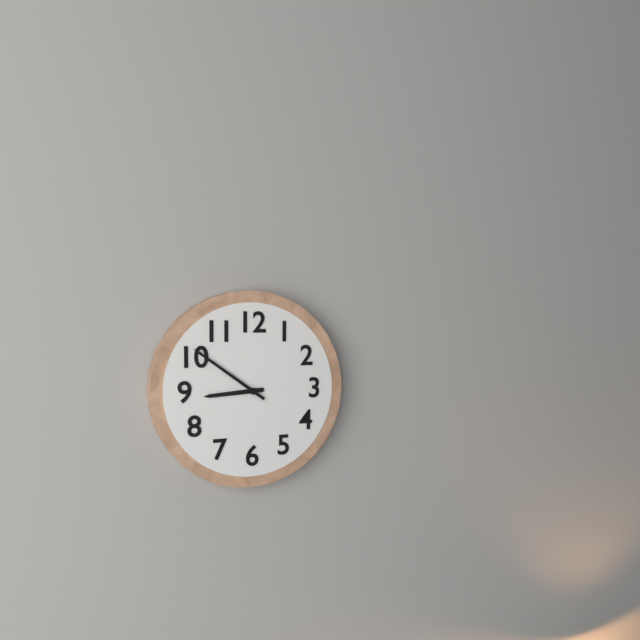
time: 8:51
